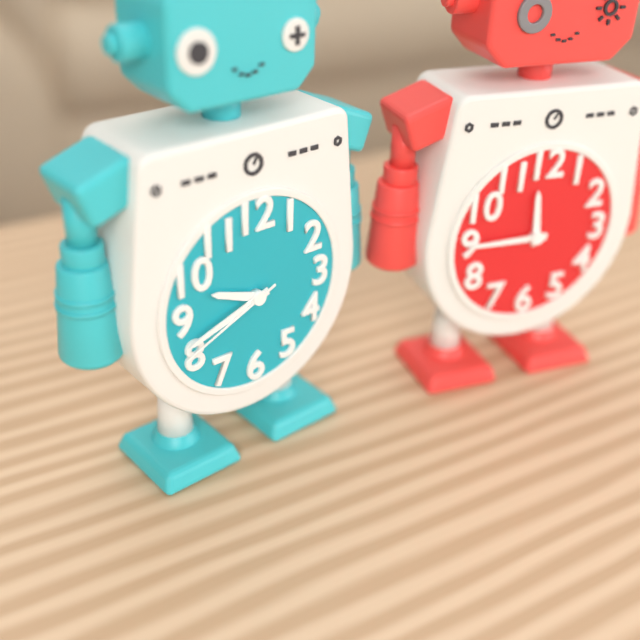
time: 9:42:41
